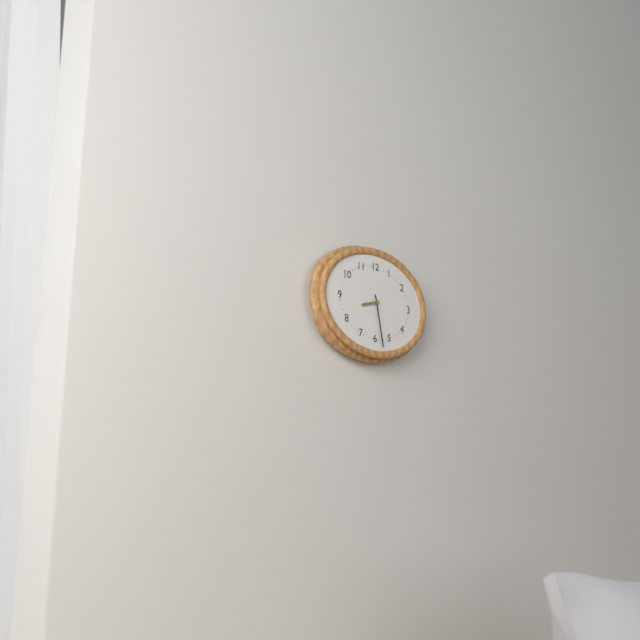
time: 8:28
